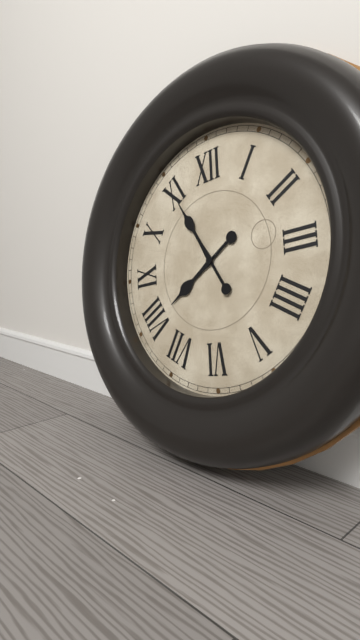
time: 7:55
